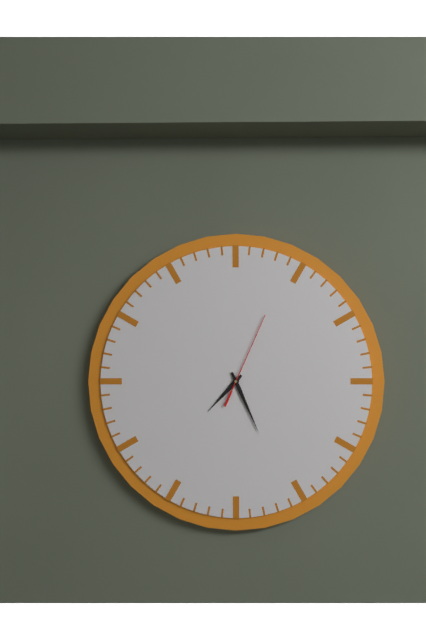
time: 7:26:04
